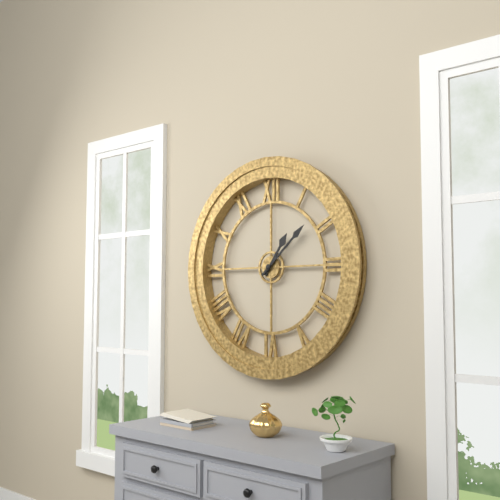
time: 1:08
